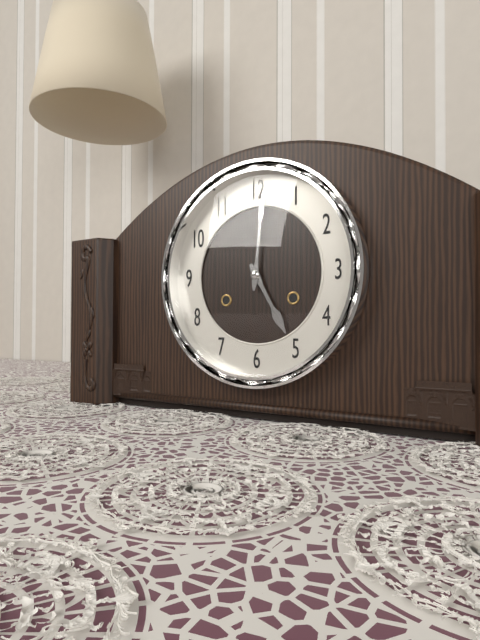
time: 5:01
